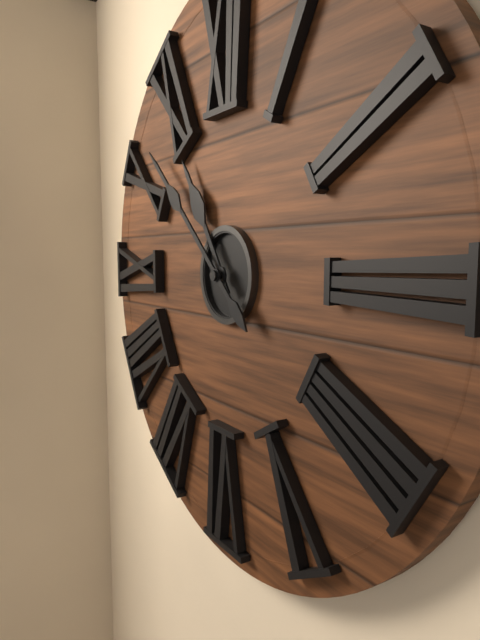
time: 10:52
